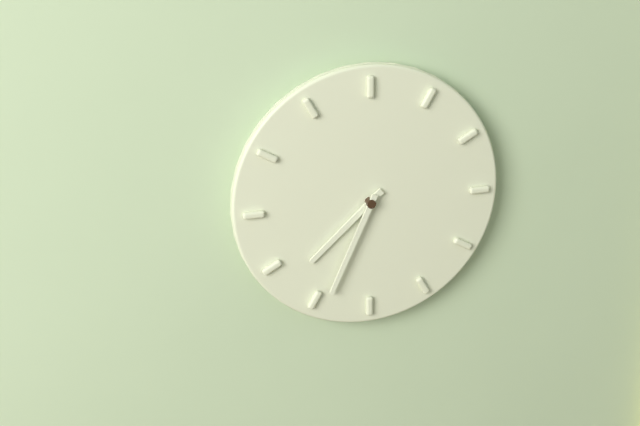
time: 7:34
